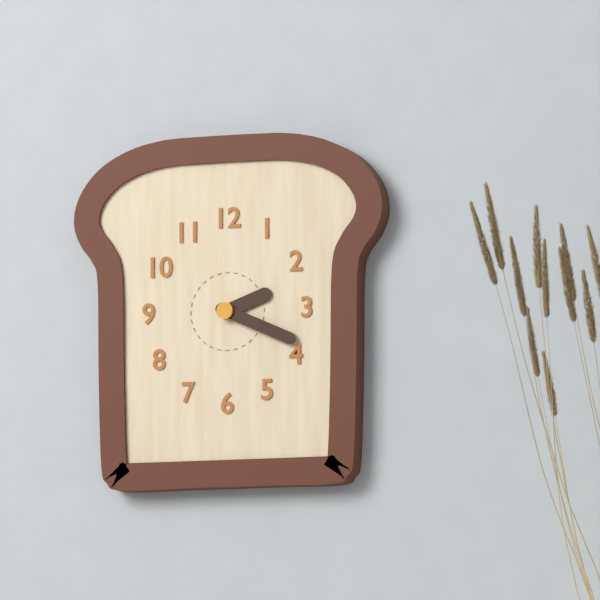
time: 2:19
